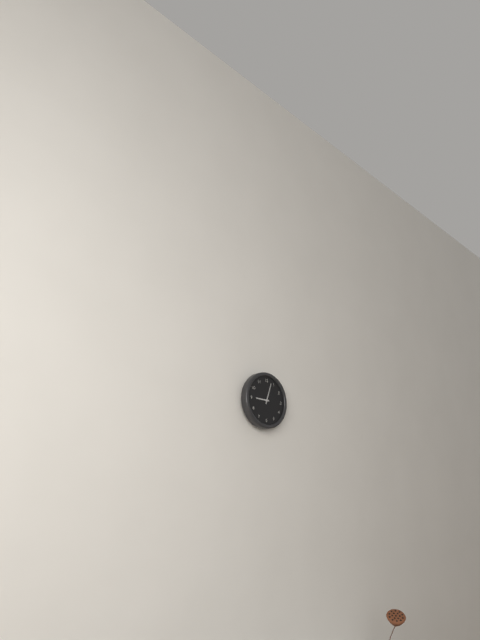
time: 9:03
